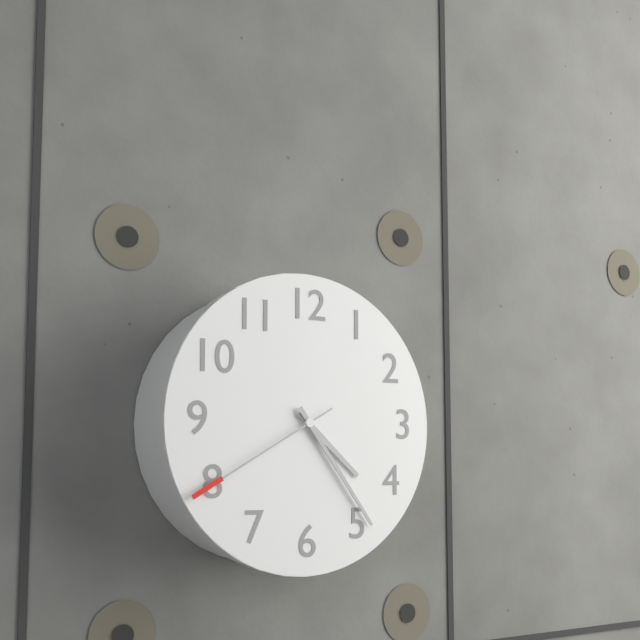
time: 4:24:40
